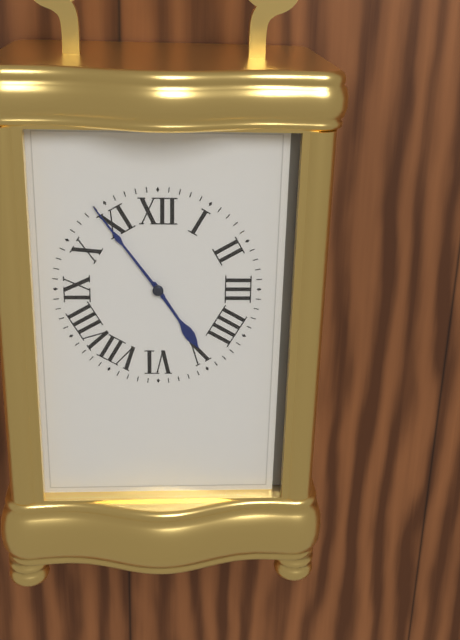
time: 4:54
